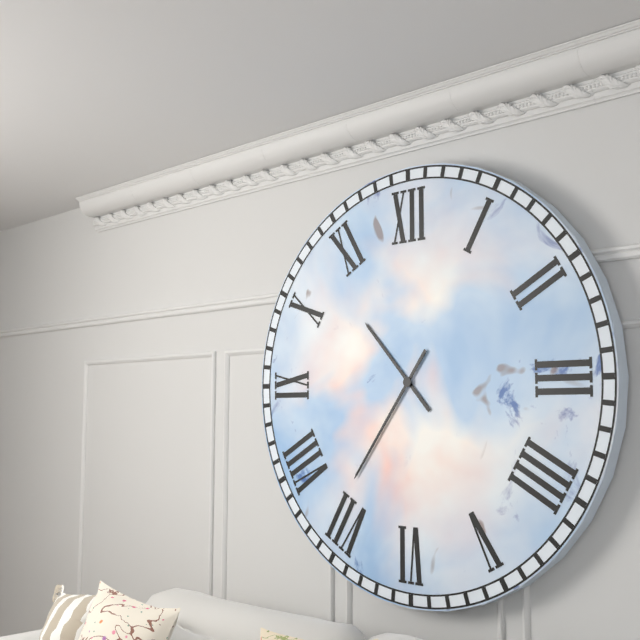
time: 10:36
